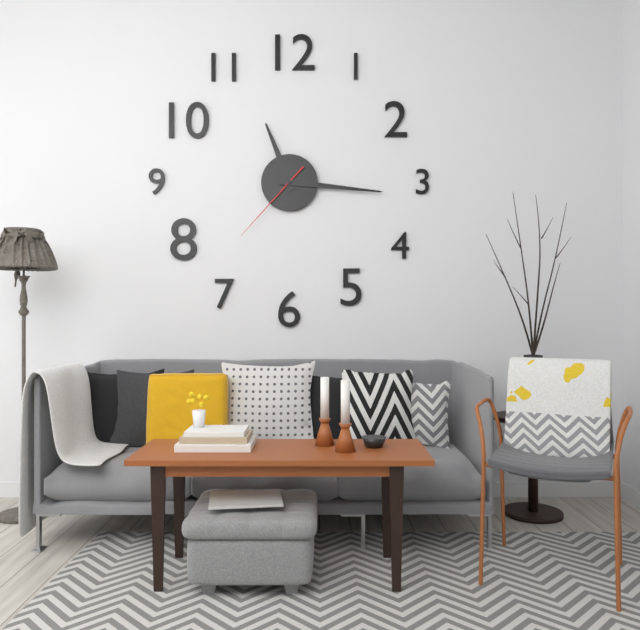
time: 11:16:37
